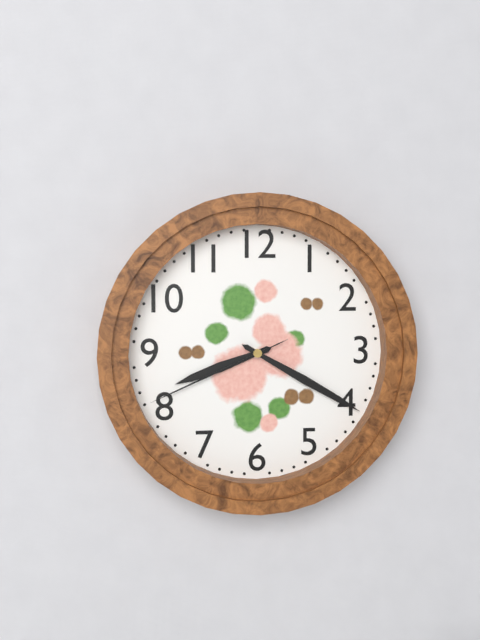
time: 8:20:41
